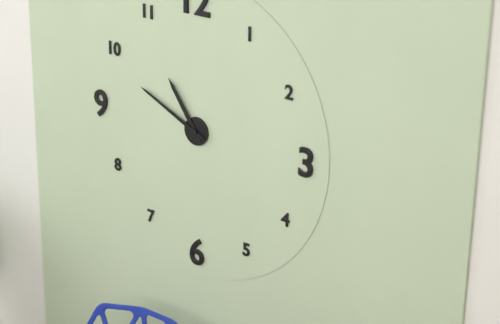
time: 10:49
